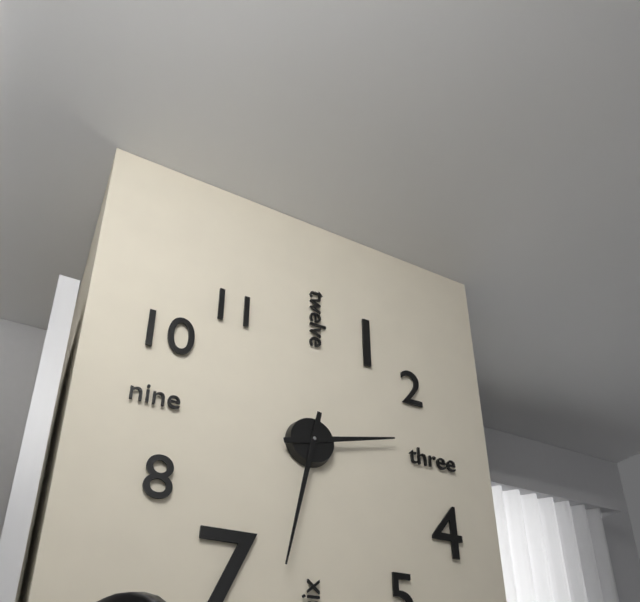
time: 2:32
